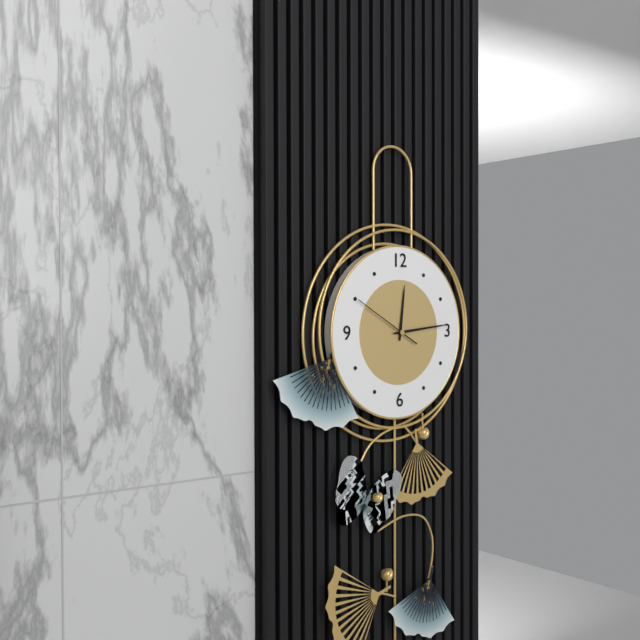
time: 12:14:50
